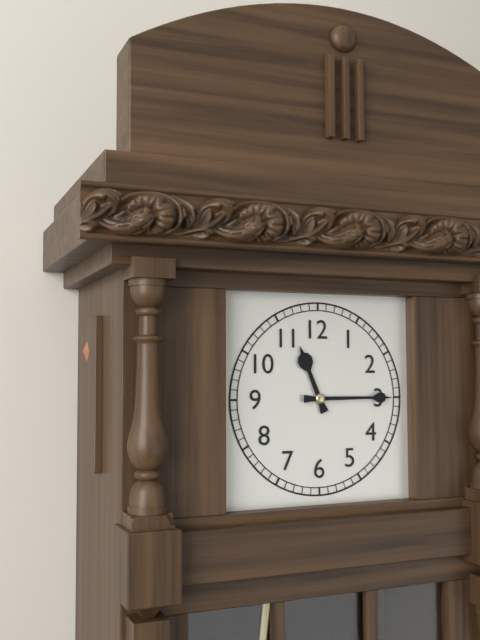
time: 11:15
